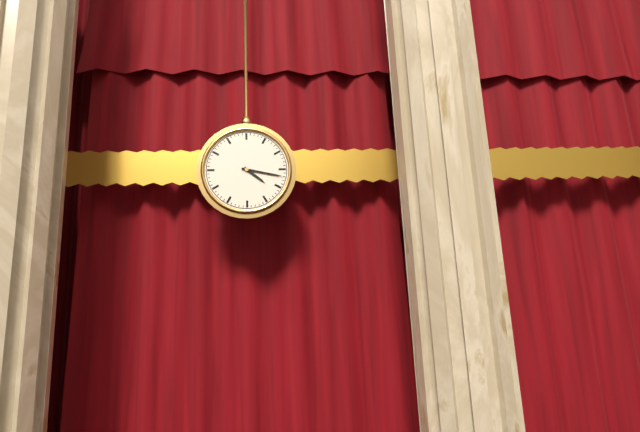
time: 4:17
